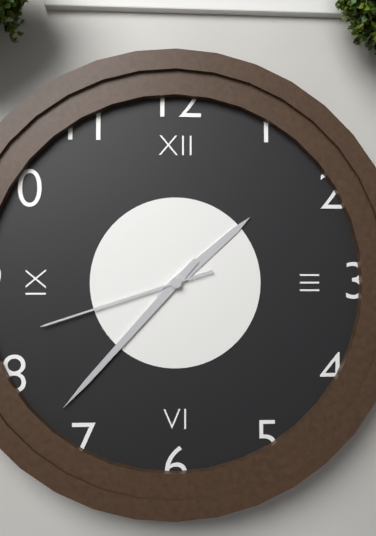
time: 1:37:42
